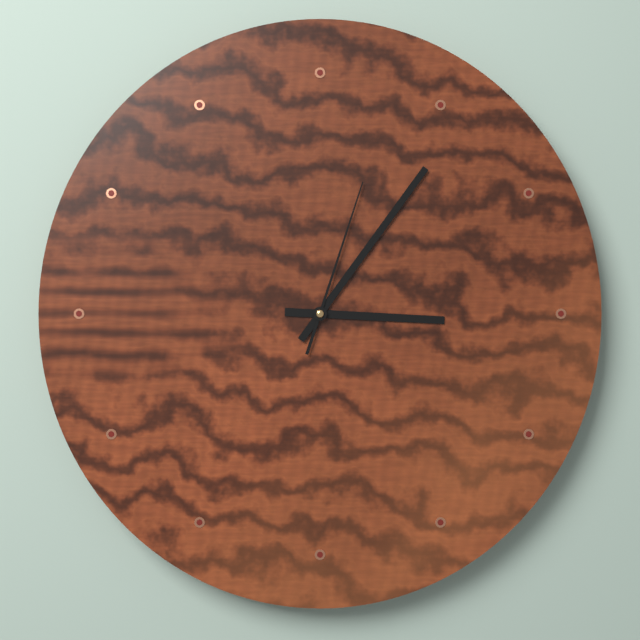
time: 3:06:03
